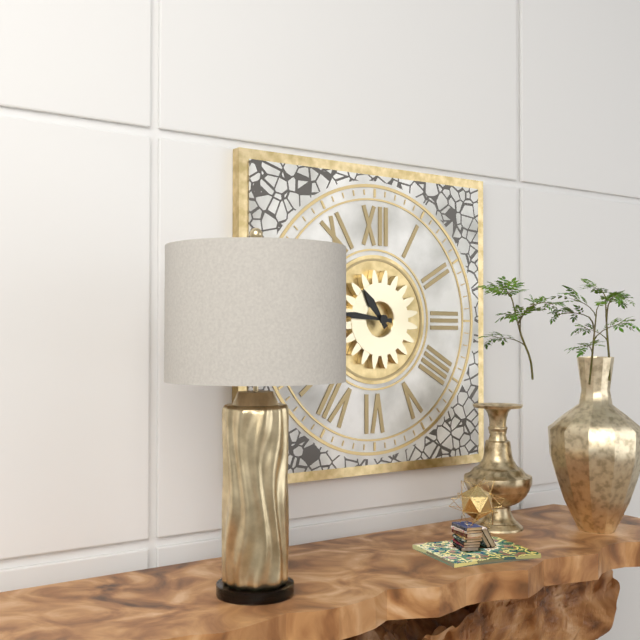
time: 10:46
